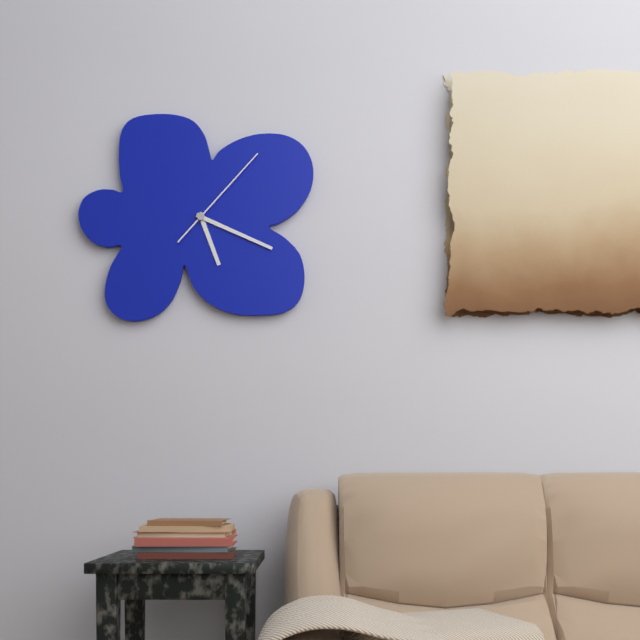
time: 5:19:07
